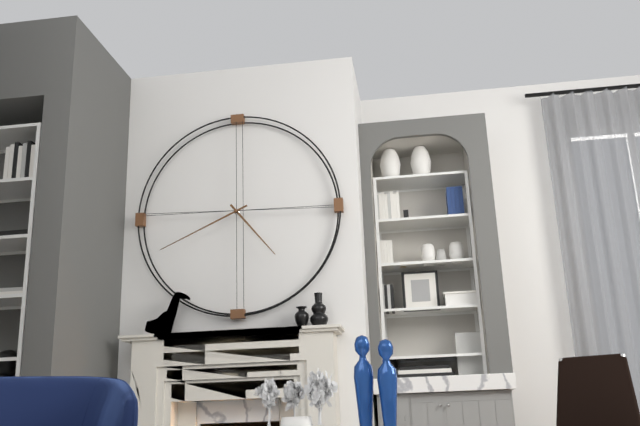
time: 4:41
